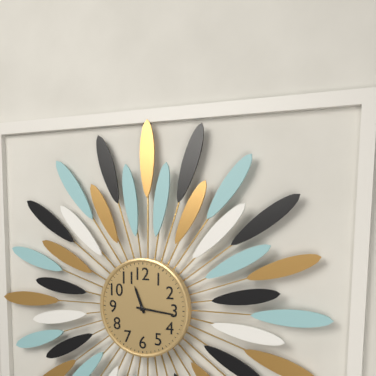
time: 11:16
